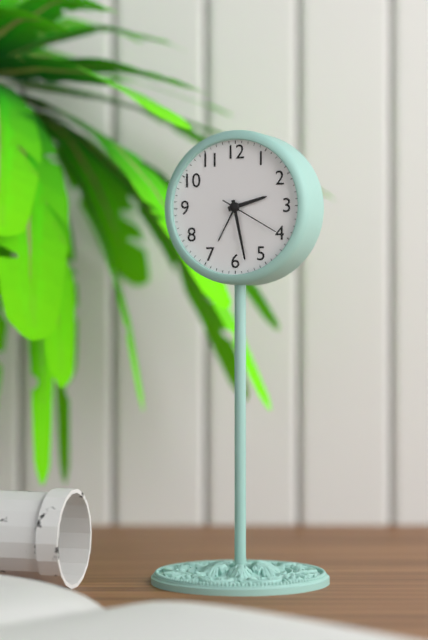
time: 2:28:20
